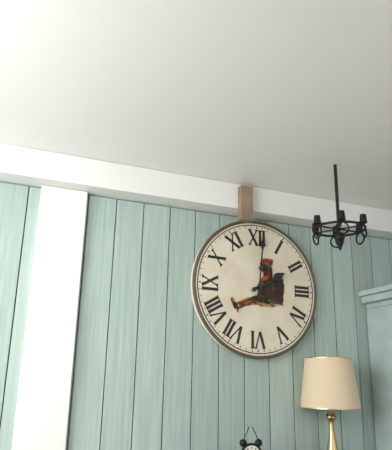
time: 2:01
